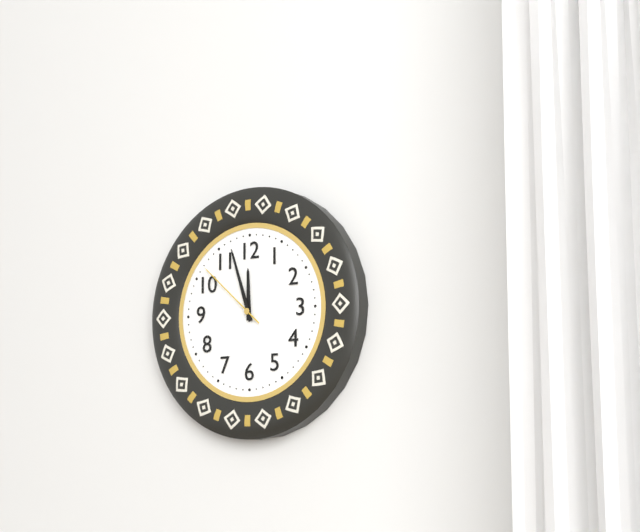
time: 11:57:52
